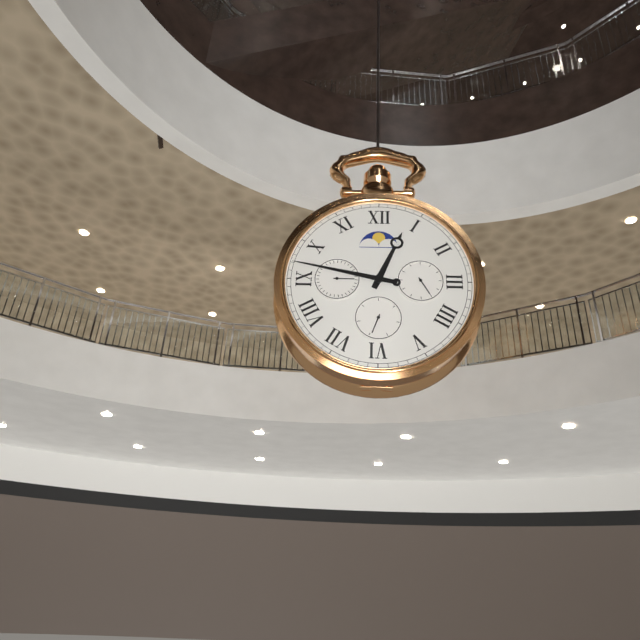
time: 12:47
